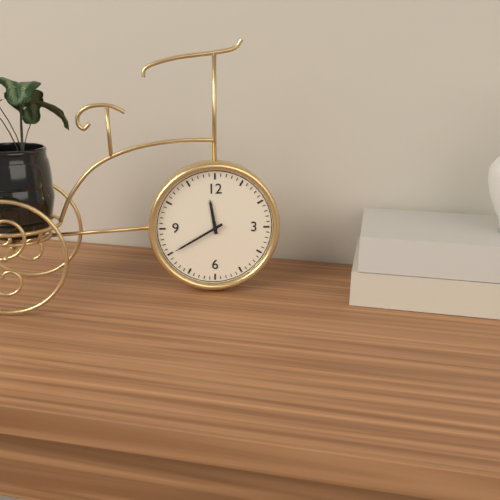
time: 11:40
